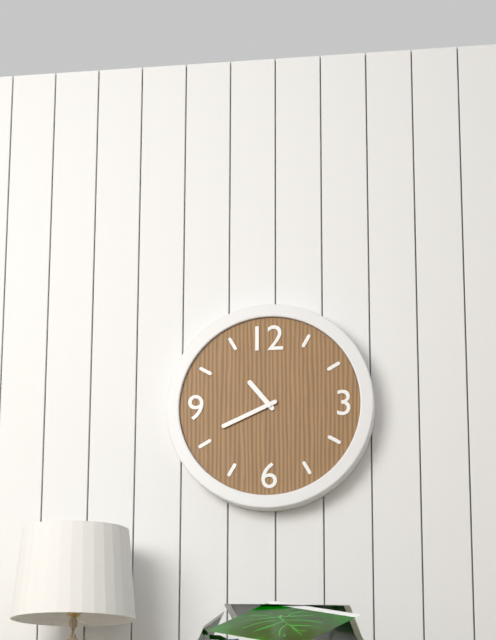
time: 10:41
